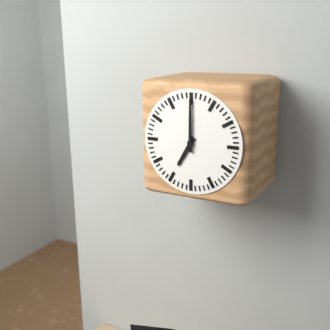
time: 7:00
